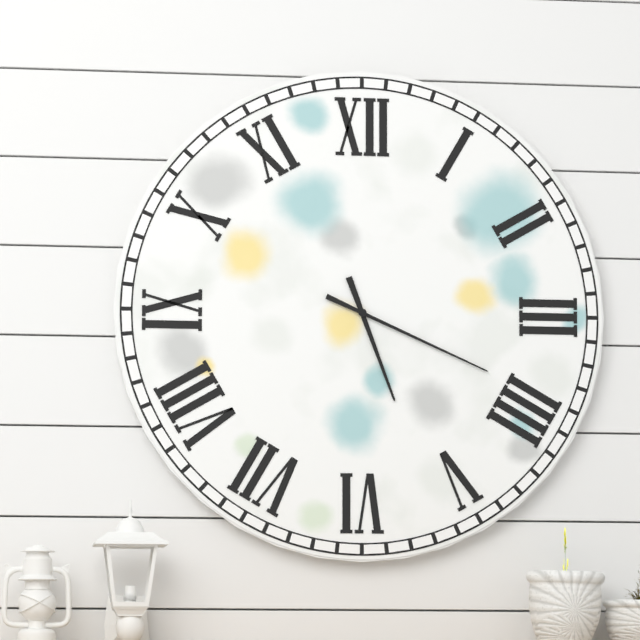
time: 5:19
